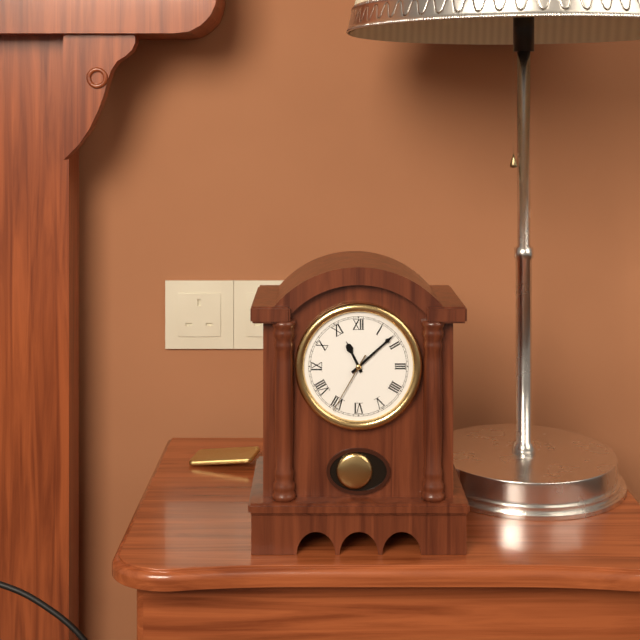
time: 11:08:35
